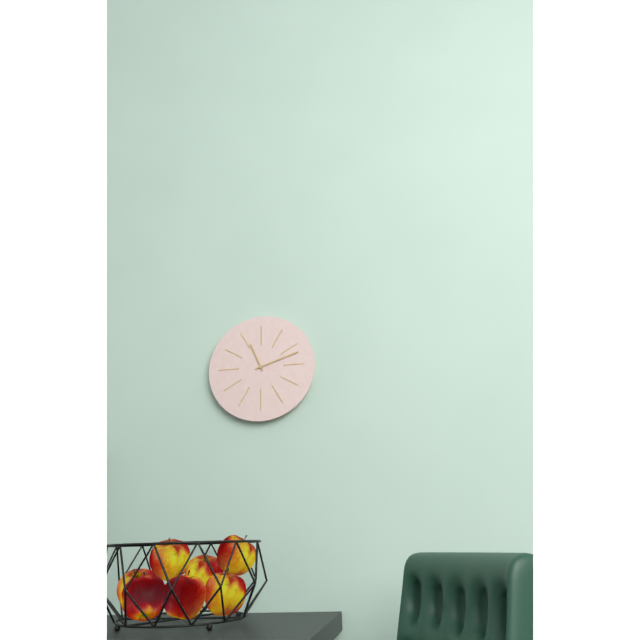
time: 11:12
